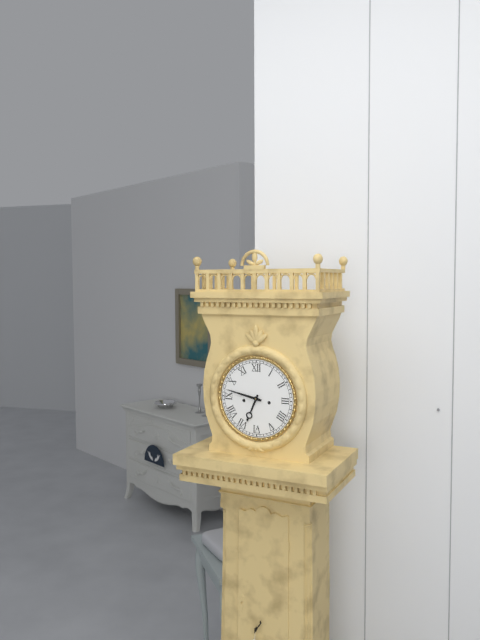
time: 6:47
